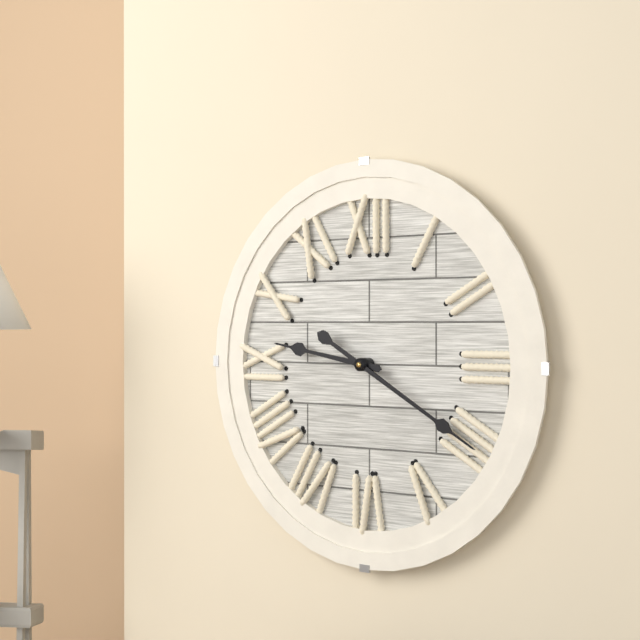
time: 9:20
